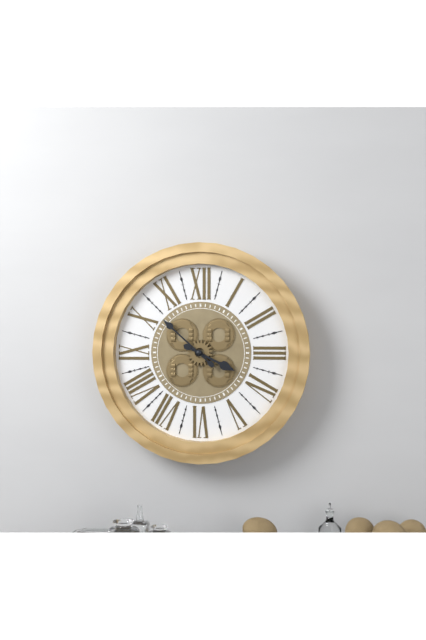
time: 3:52
